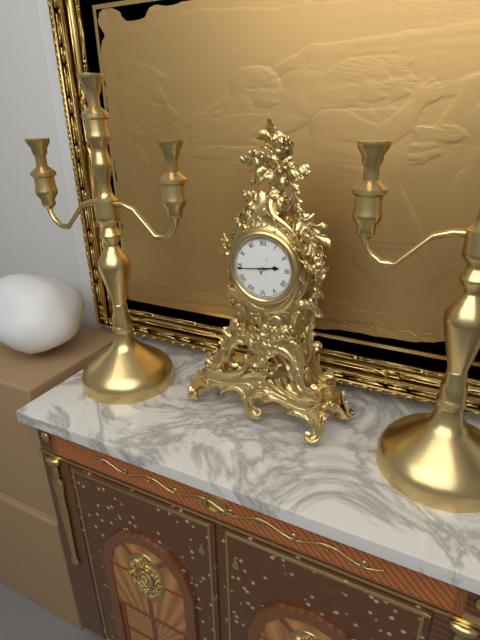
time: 2:44
